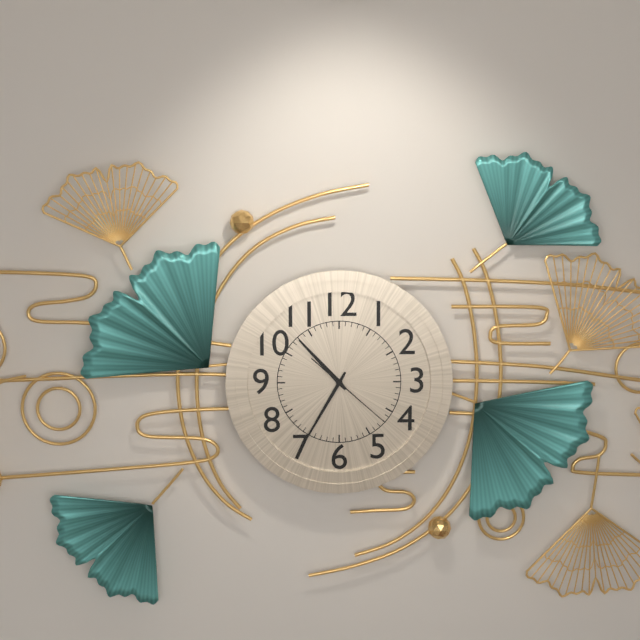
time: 10:35:22
